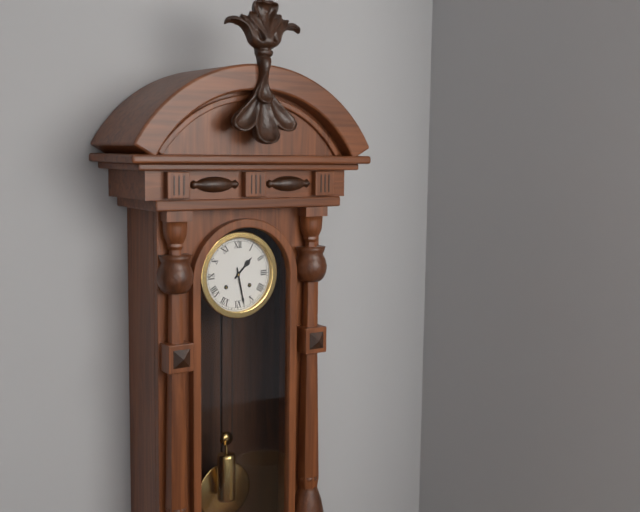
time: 1:28
